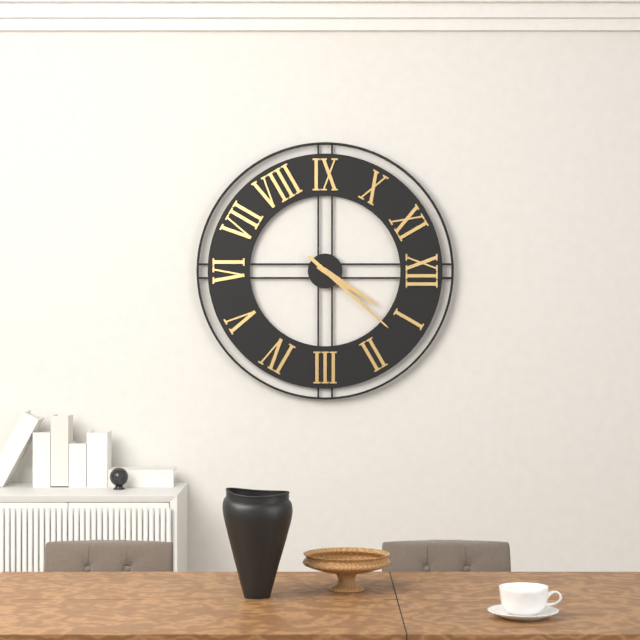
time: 1:07
